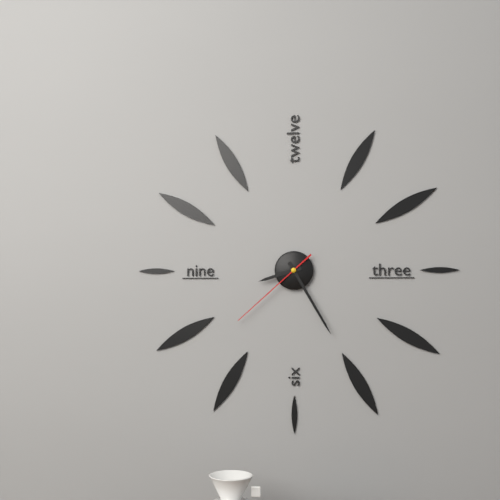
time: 8:25:38
